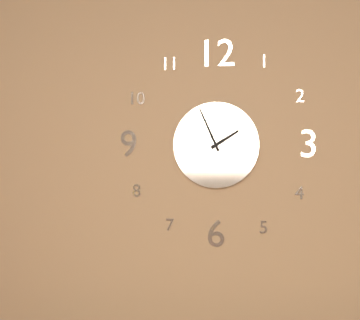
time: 1:56
